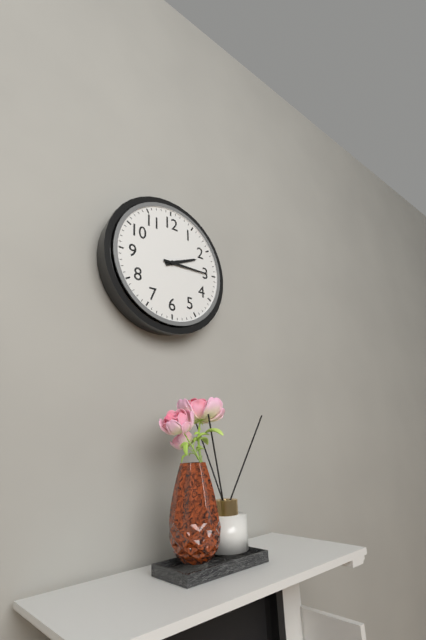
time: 2:15
